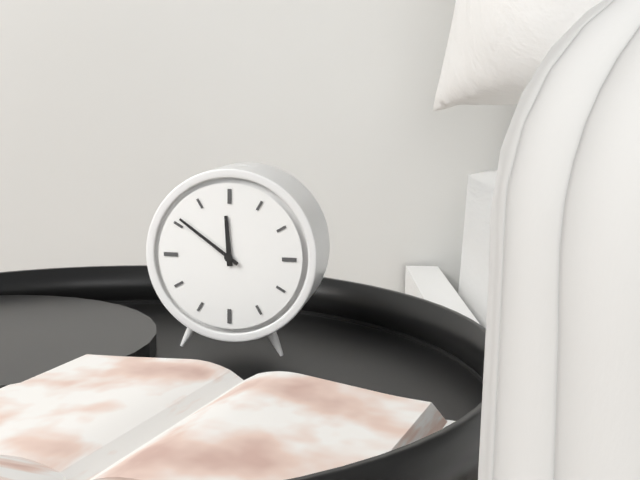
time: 11:51
